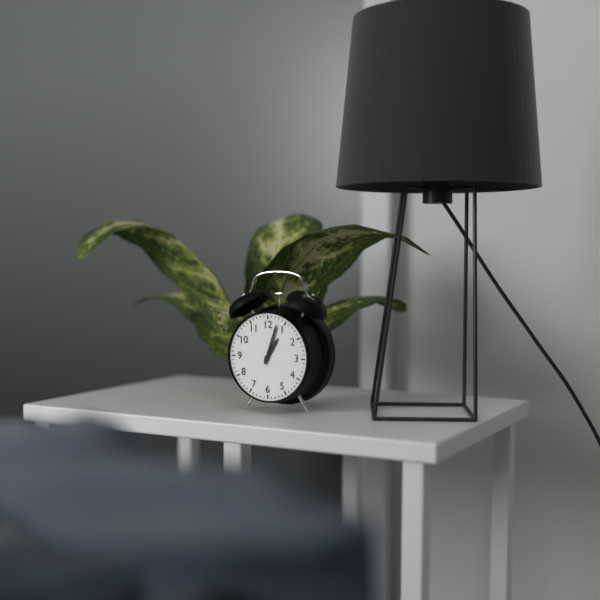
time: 1:03
